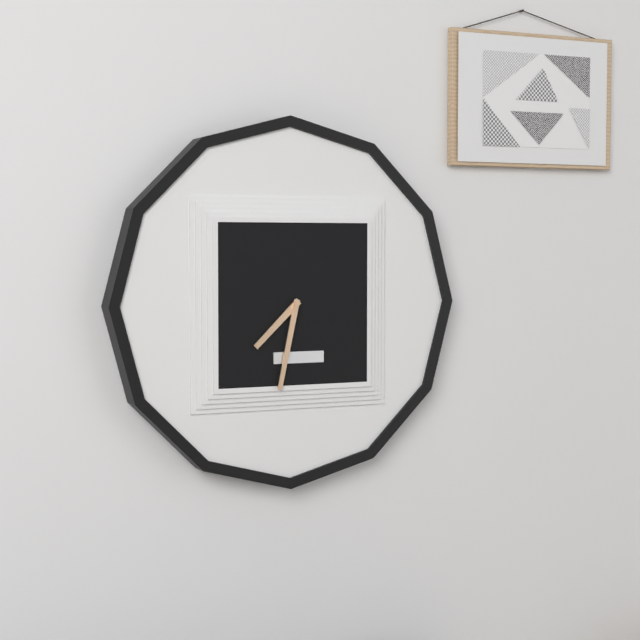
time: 7:32
